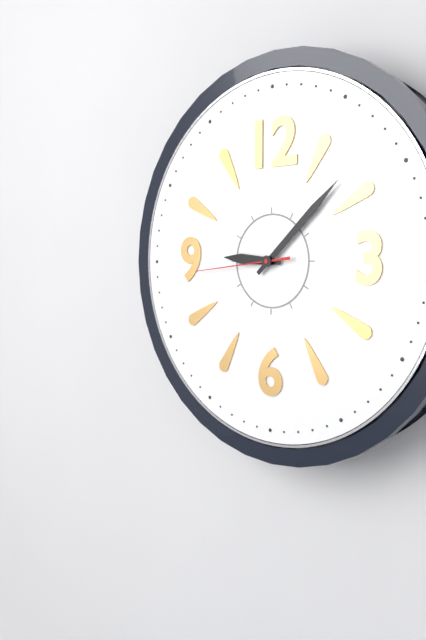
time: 9:08:44
